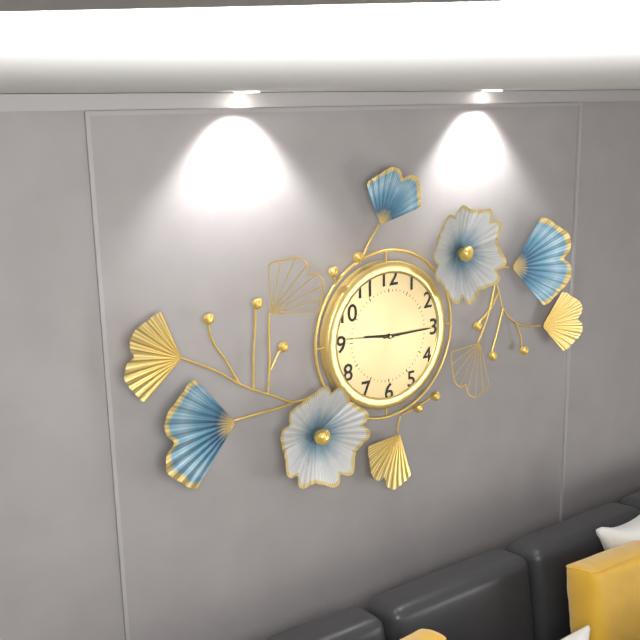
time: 9:15:46
